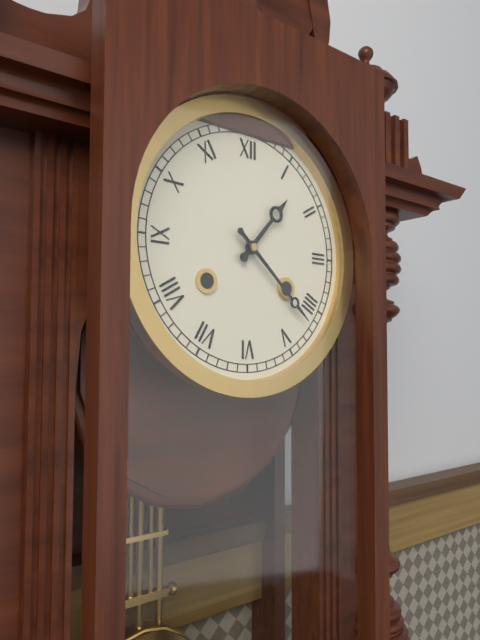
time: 1:22
